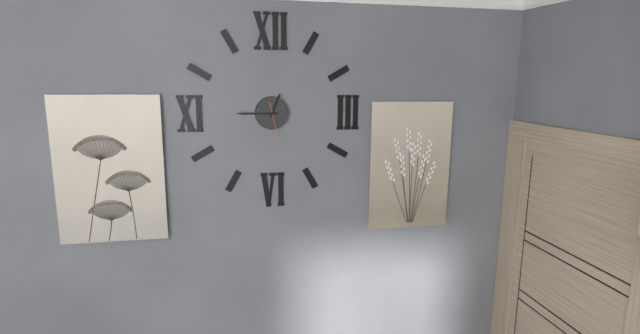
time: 12:45:28
